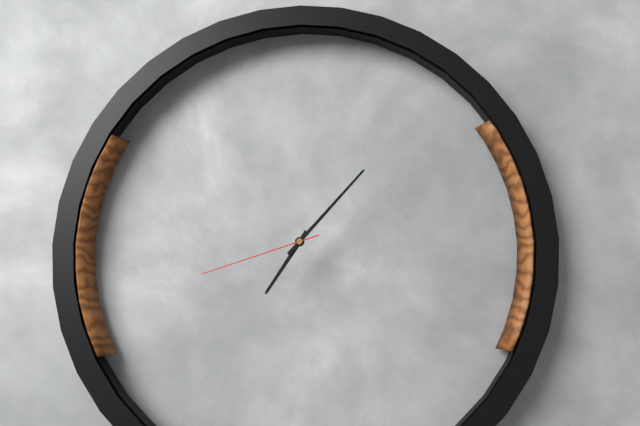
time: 7:07:42
